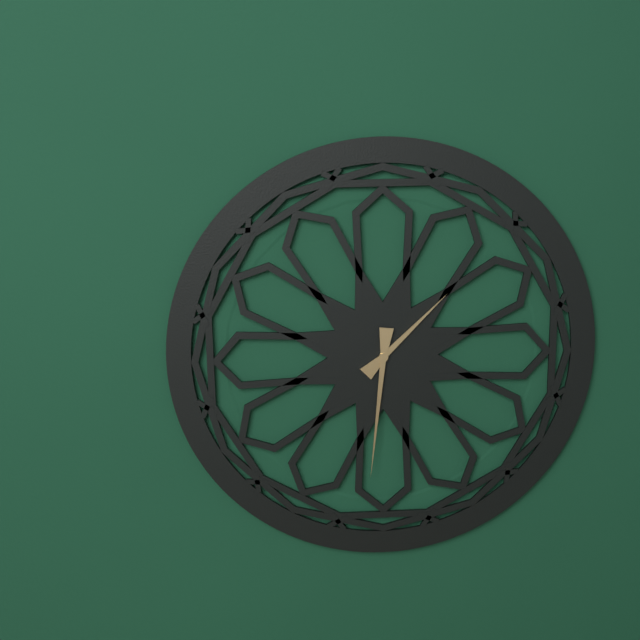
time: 1:31
